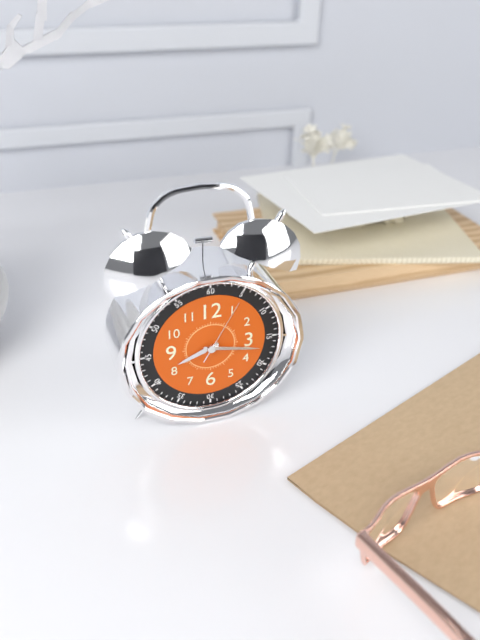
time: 8:17:05
